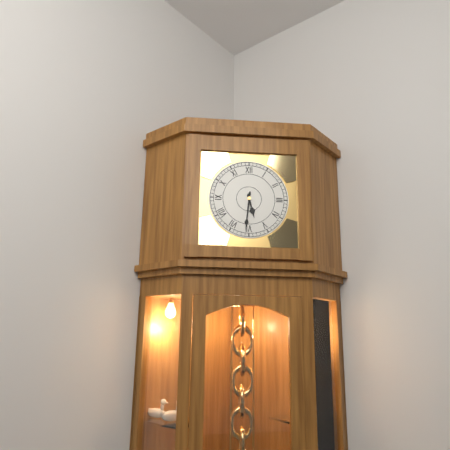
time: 5:31
